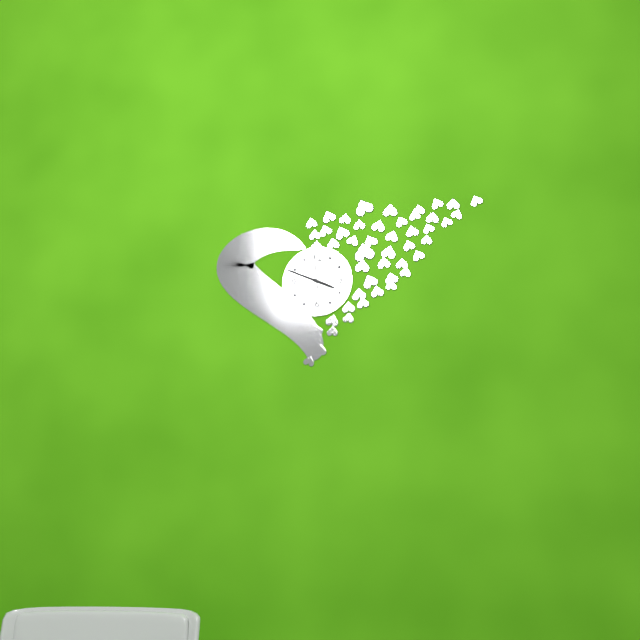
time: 3:49
